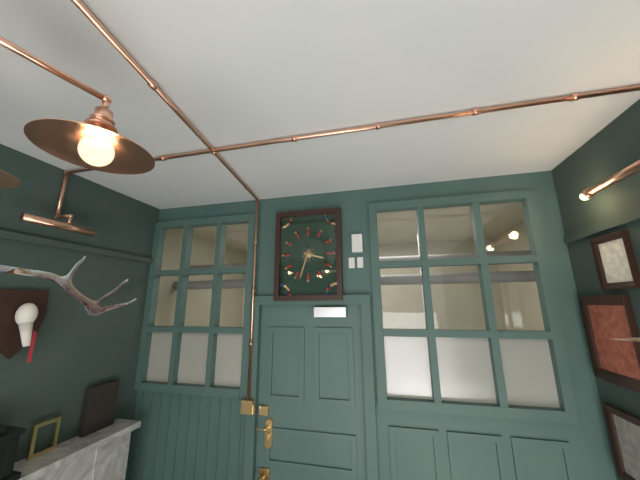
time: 3:33
